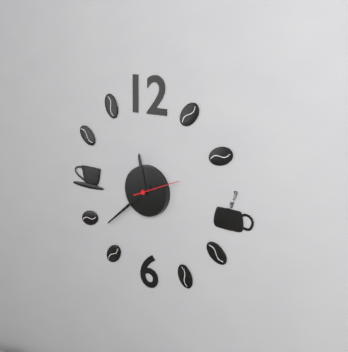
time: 11:38
